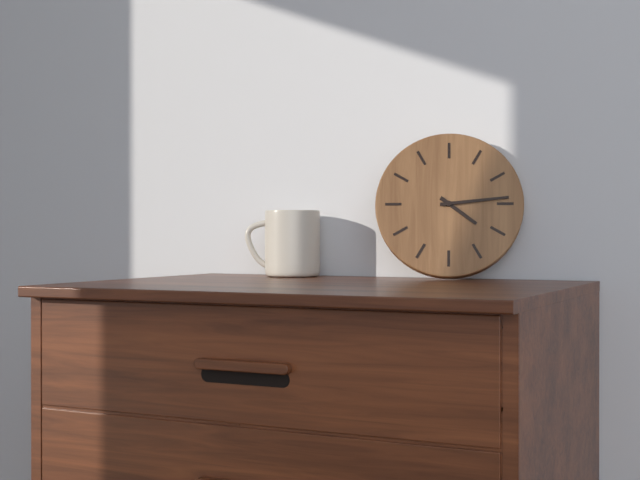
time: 4:14
